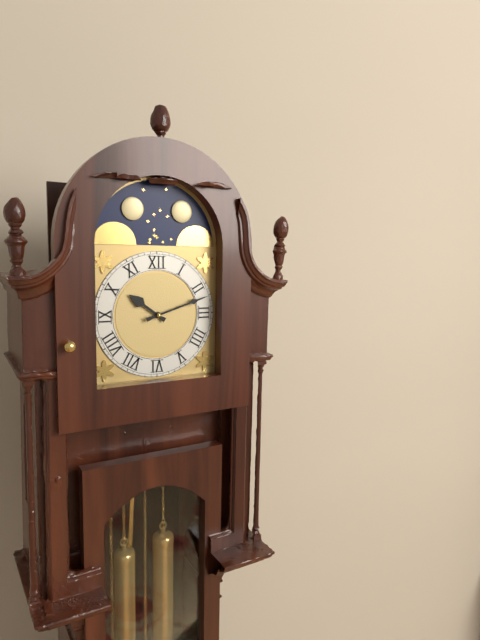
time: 10:12
